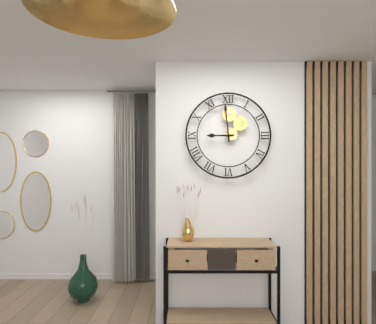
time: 8:59
